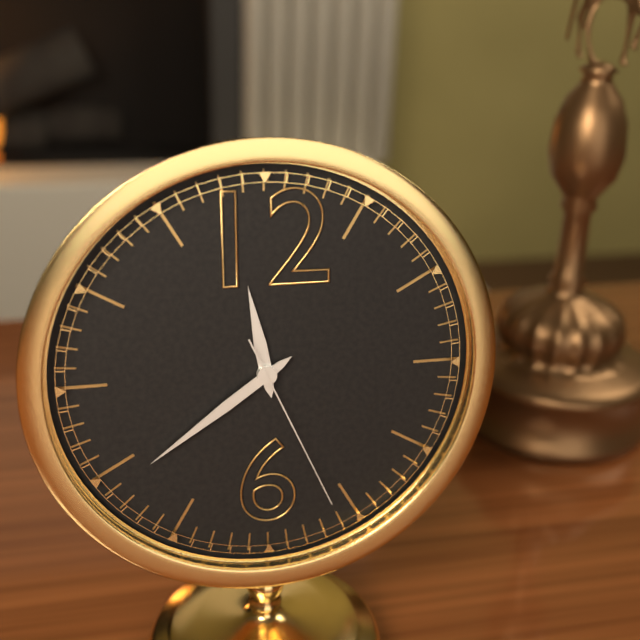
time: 11:39:26
